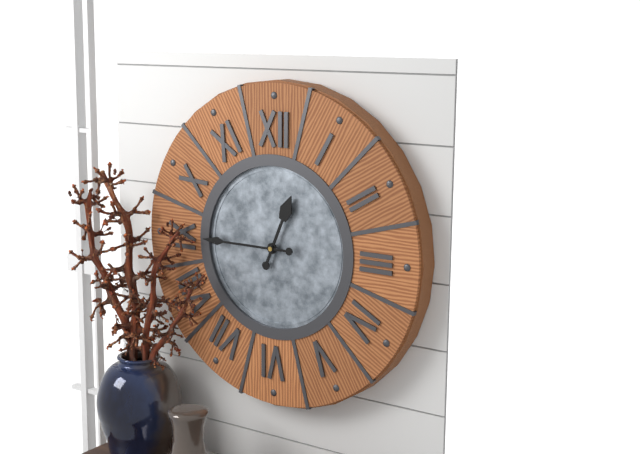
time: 12:45
